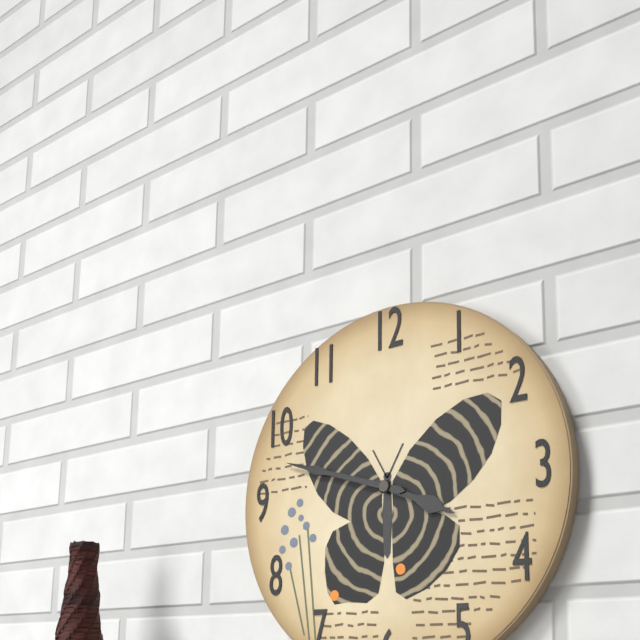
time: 3:48
